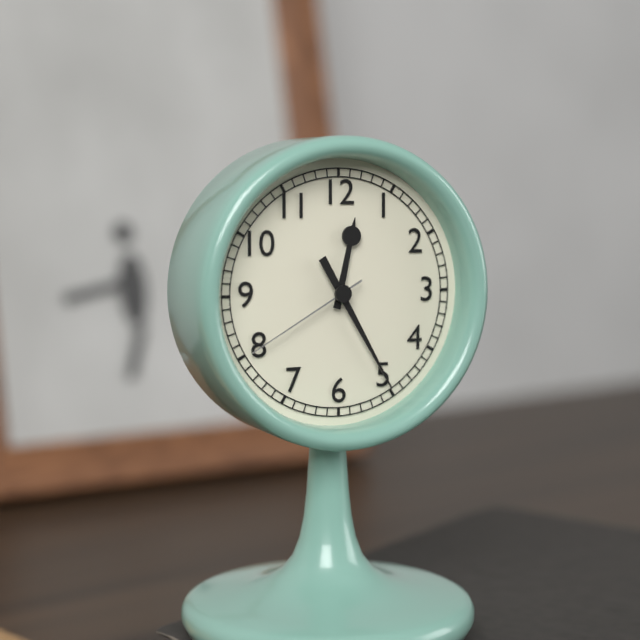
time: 12:25:40
